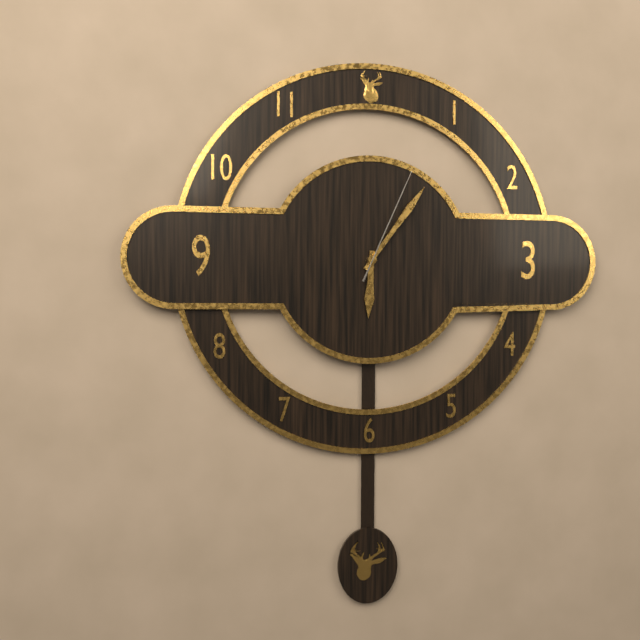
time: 6:06:04
